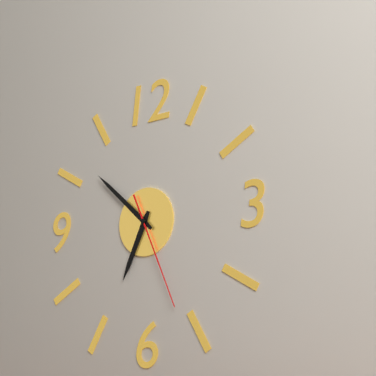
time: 6:52:26
